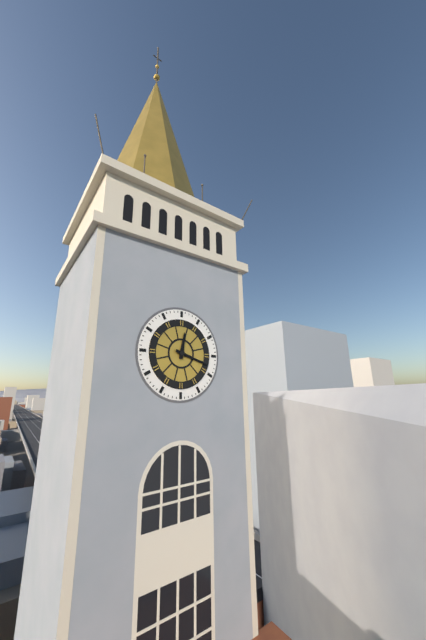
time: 12:18
